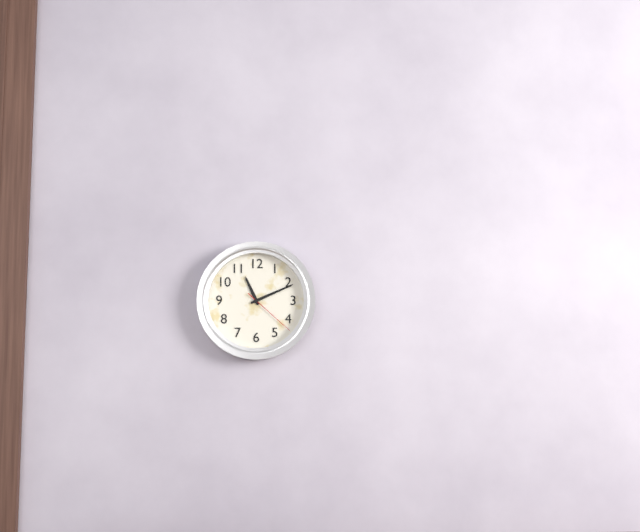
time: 11:11:22
